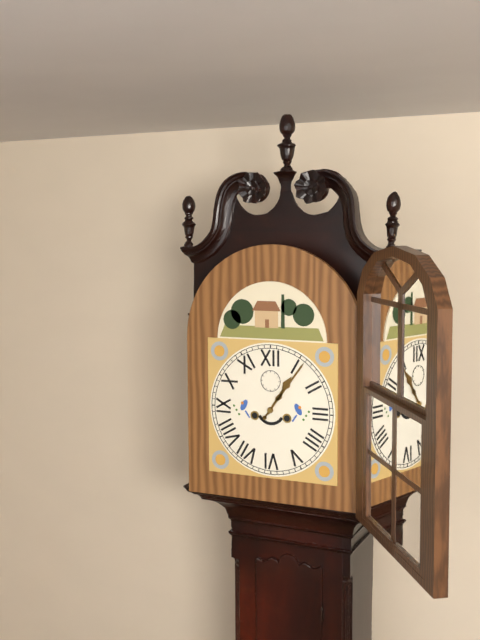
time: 1:06
